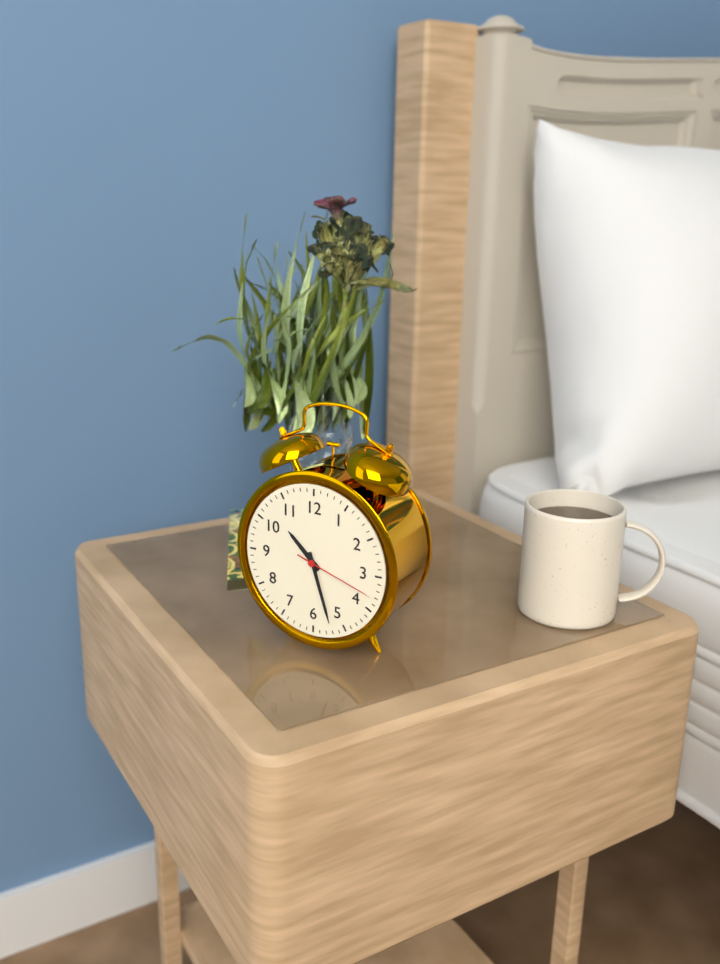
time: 10:27:18
